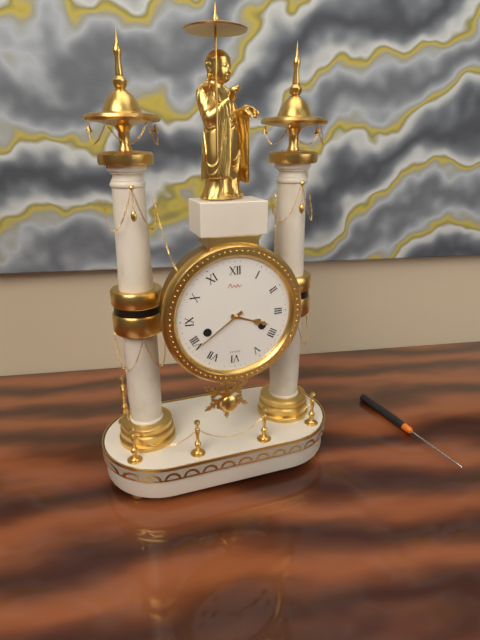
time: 3:39
